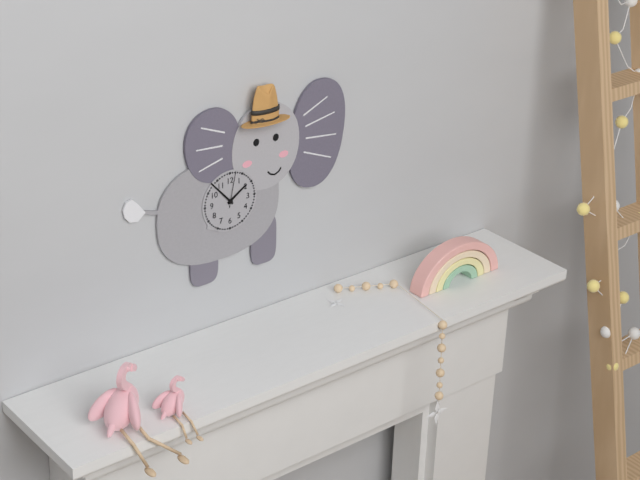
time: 1:53
